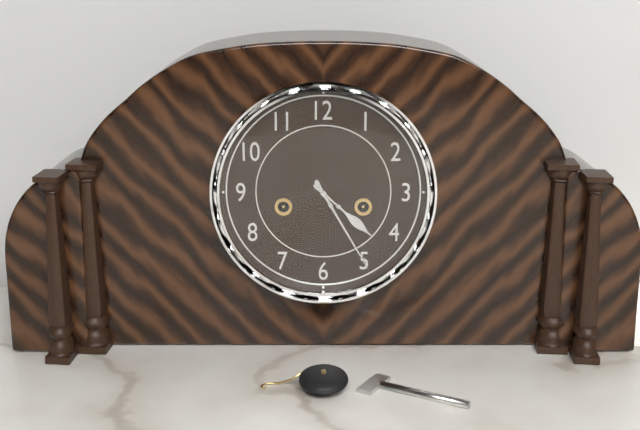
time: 4:25
